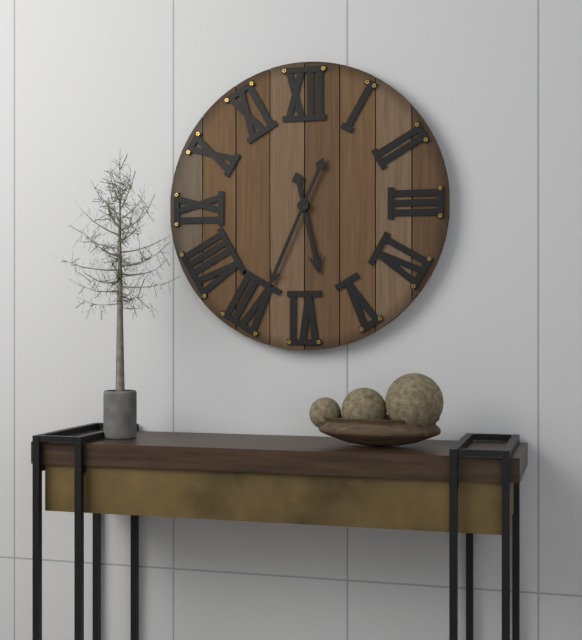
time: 5:34
